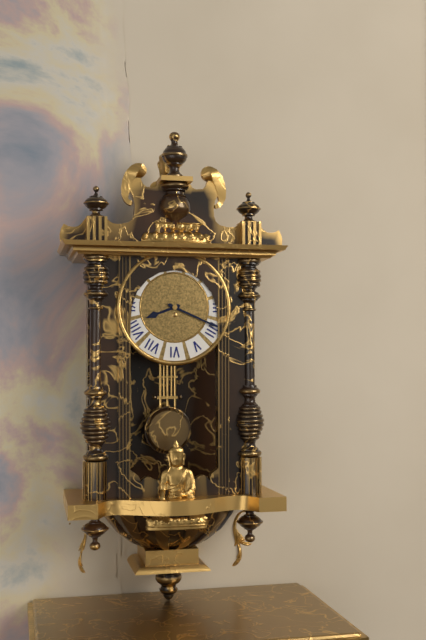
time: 8:19
